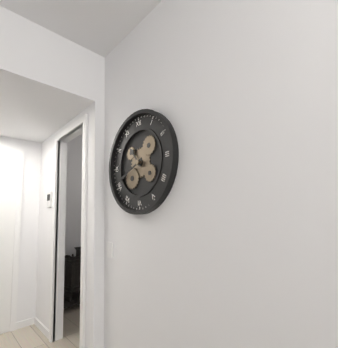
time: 10:41
